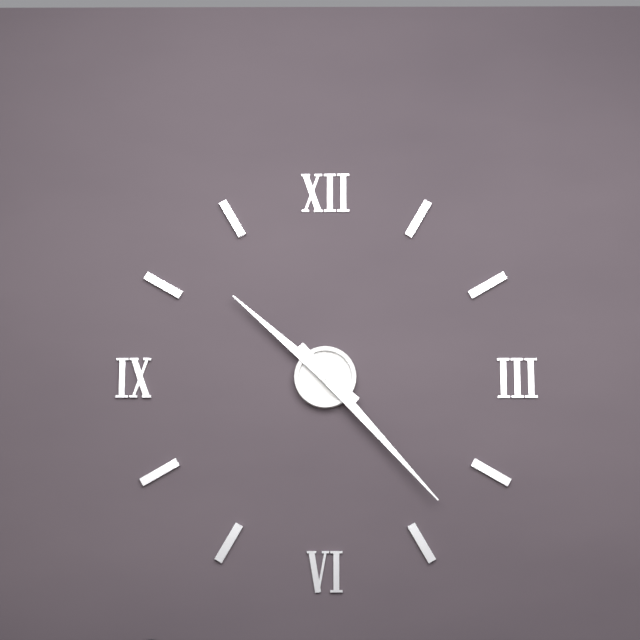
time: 10:23
